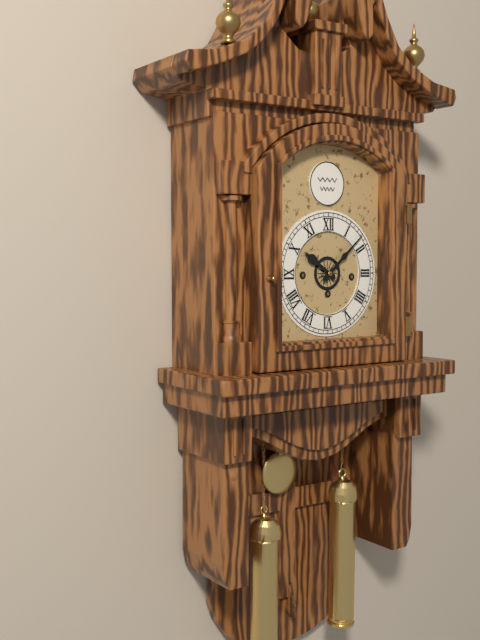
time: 10:08
